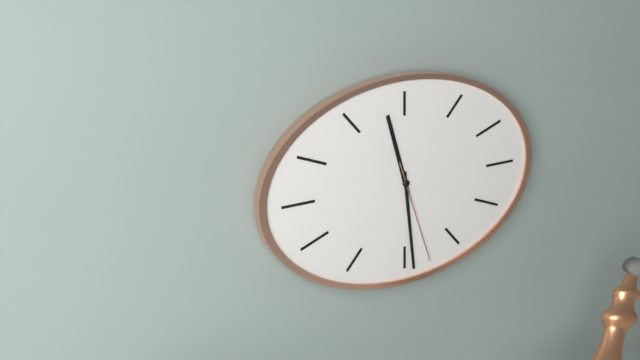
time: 11:29:27
